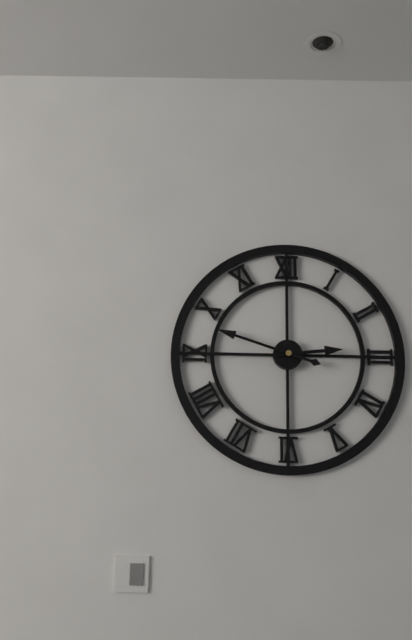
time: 2:48
